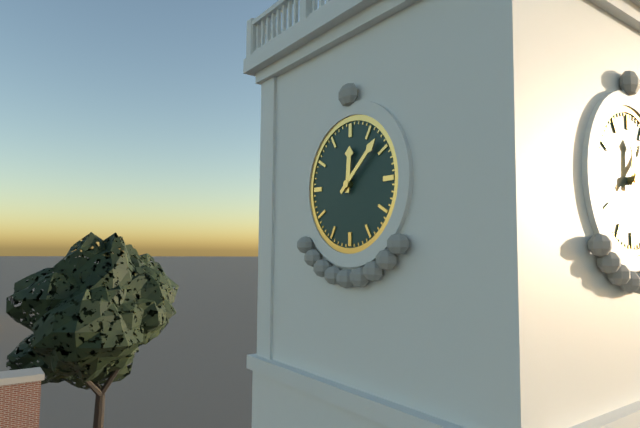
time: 12:08
